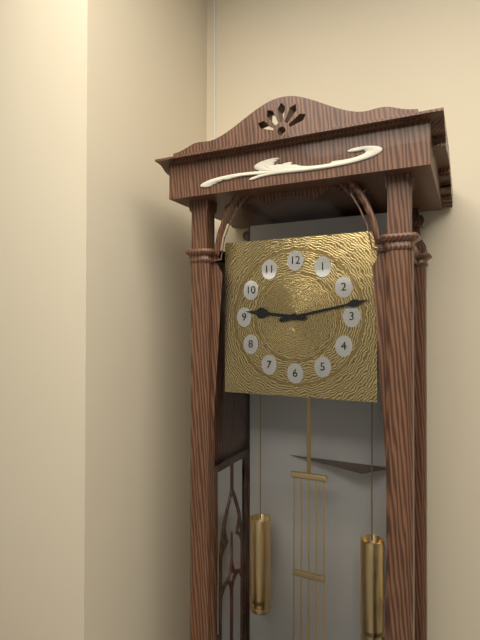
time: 9:13
